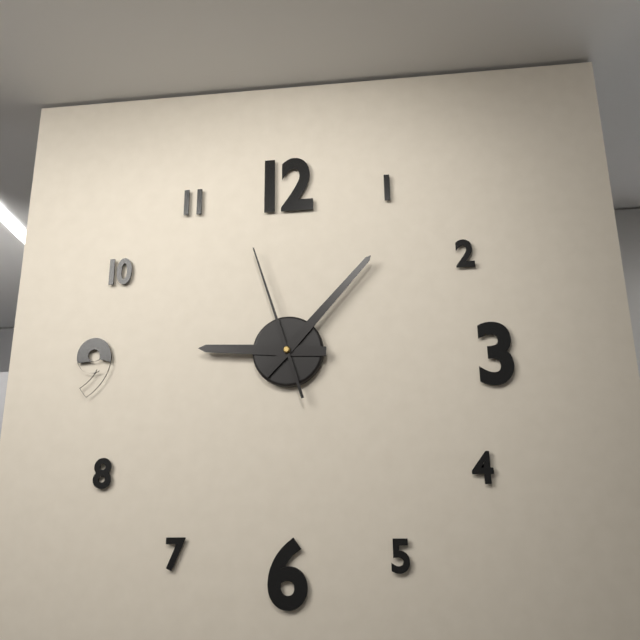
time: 9:07:57
